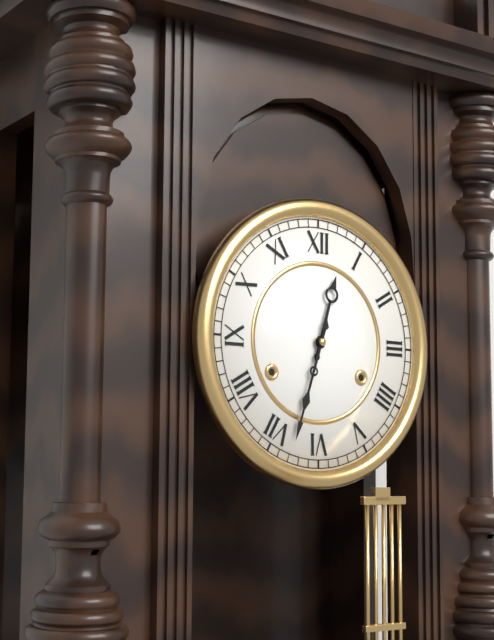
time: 12:33
